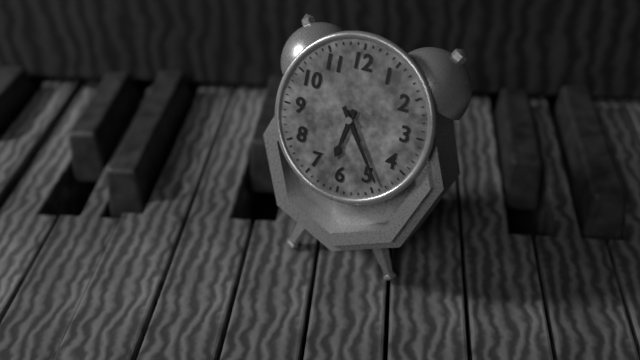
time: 6:24
